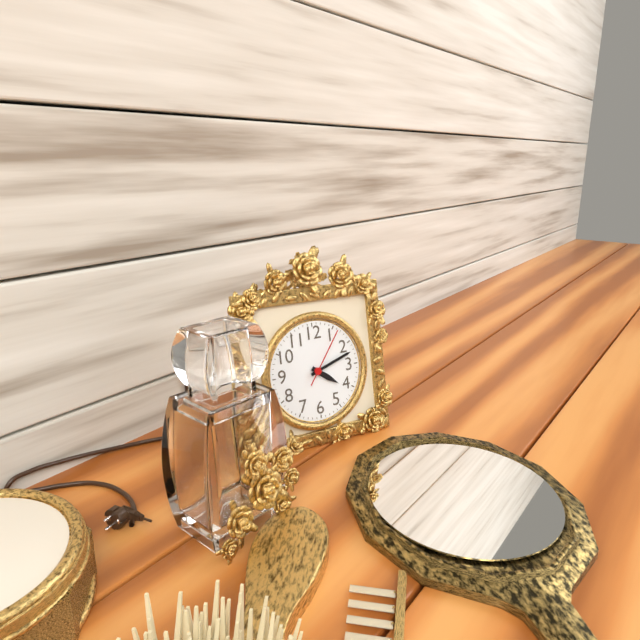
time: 4:12:06
